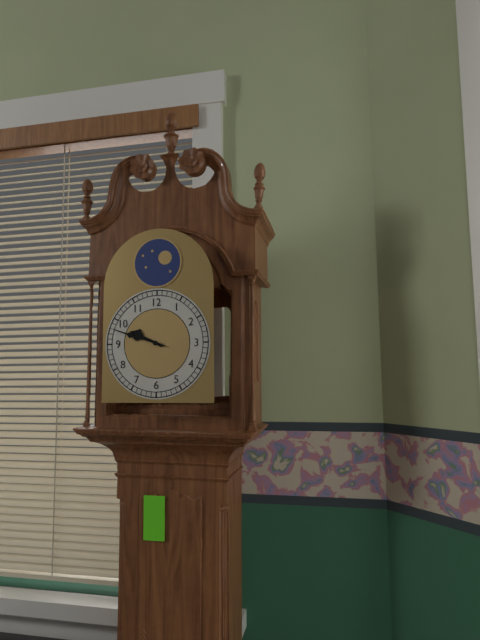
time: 9:48
